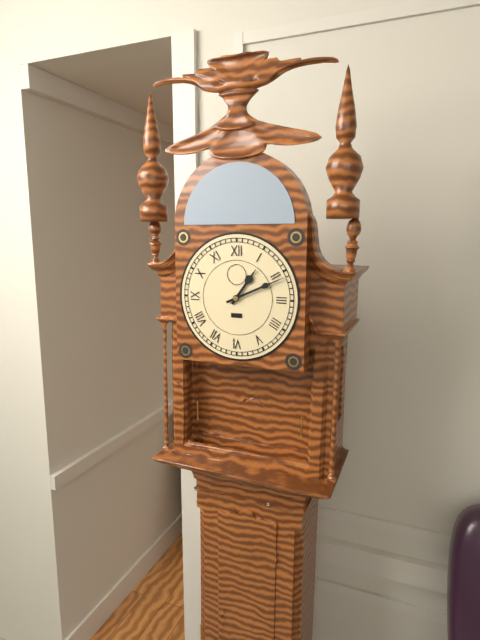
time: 1:11
